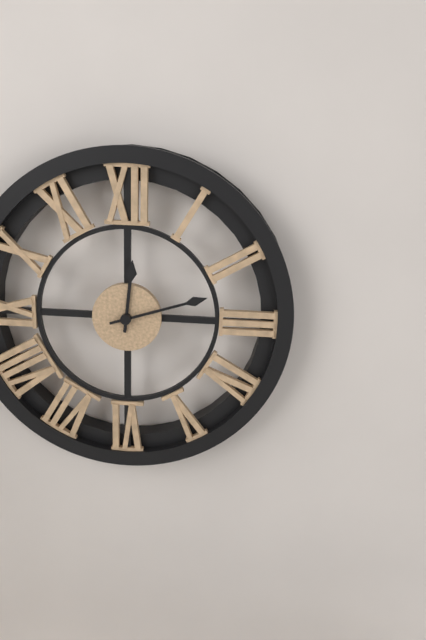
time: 12:12
